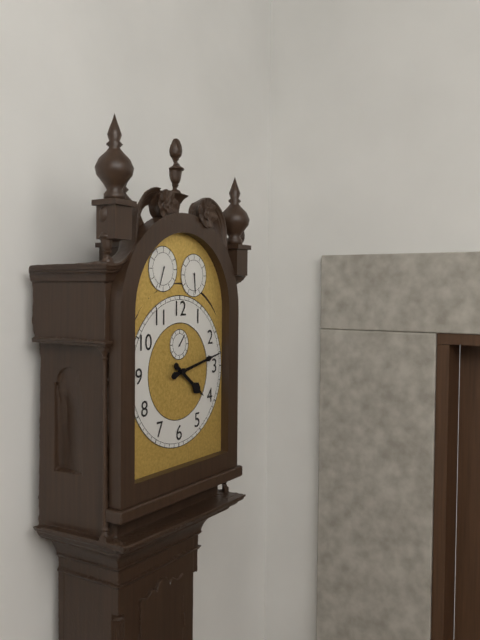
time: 4:13
